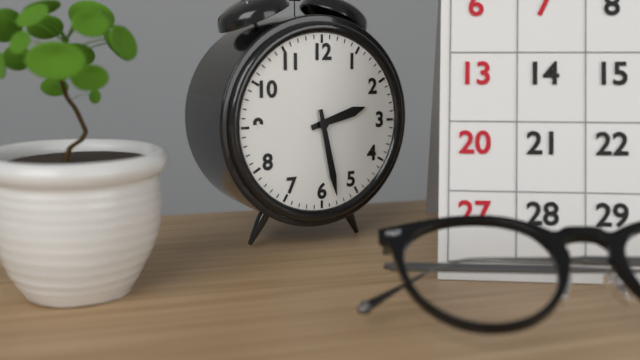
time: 2:28
